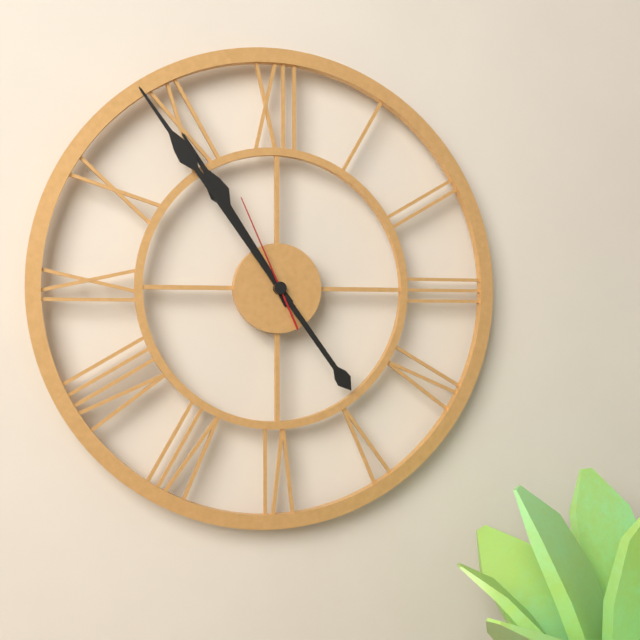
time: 10:54:56
